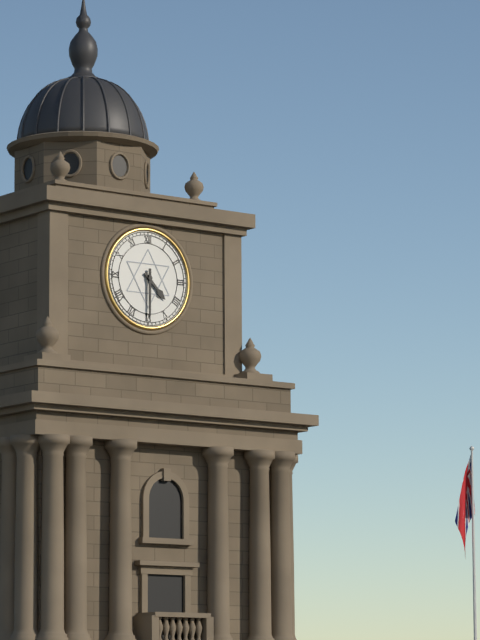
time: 4:30
